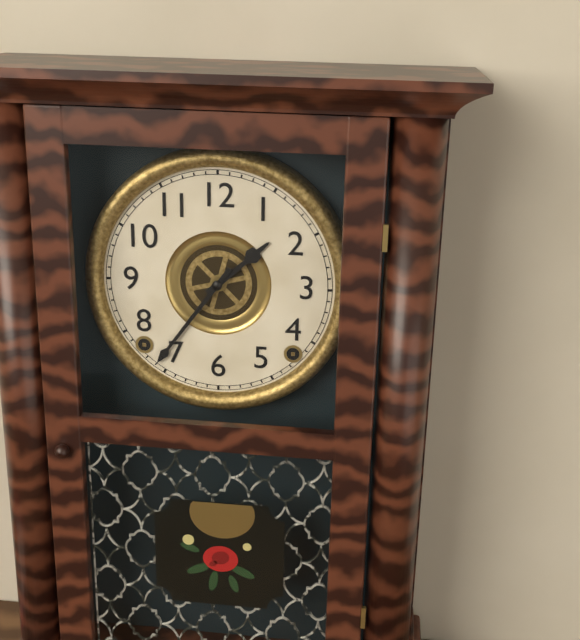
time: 1:36
